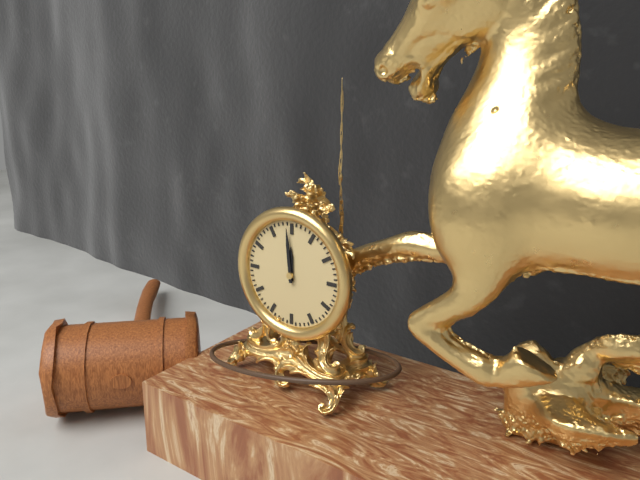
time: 11:59
